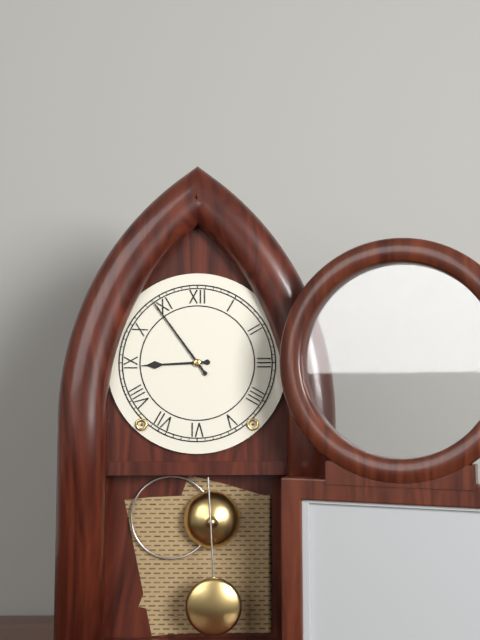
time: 8:54
